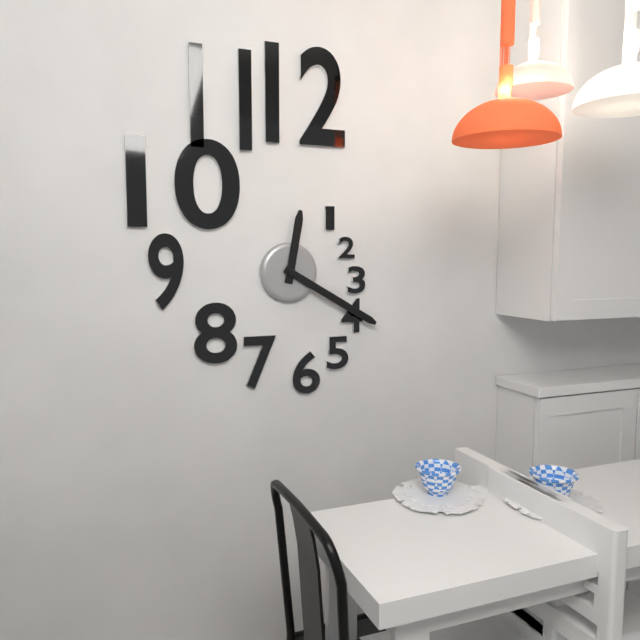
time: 12:20
